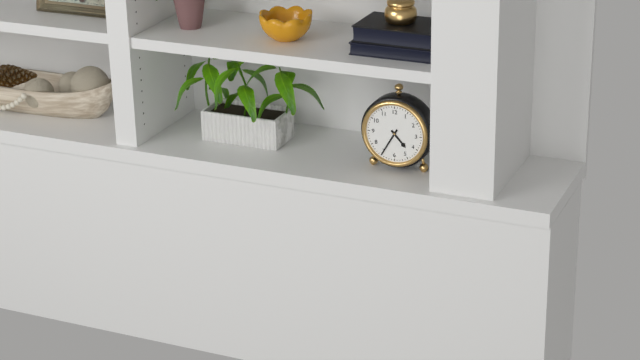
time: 4:35
